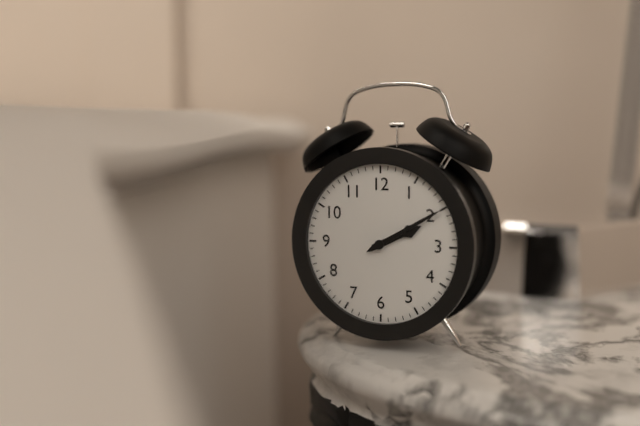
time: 2:10
